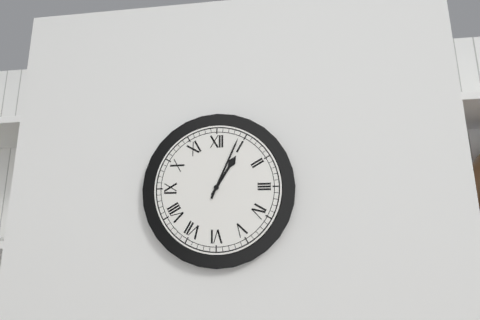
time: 1:04
